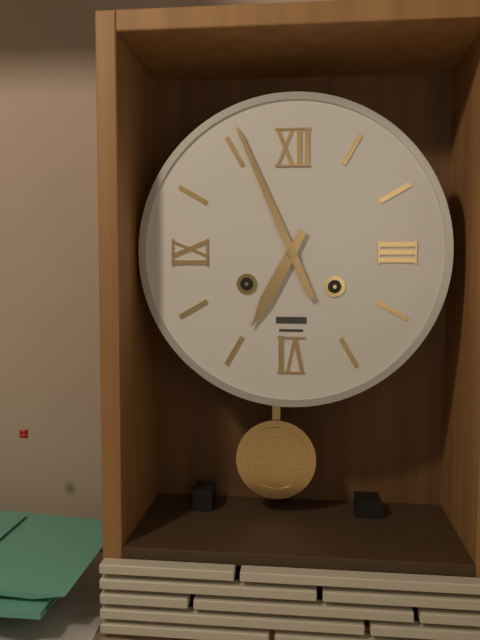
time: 6:56
